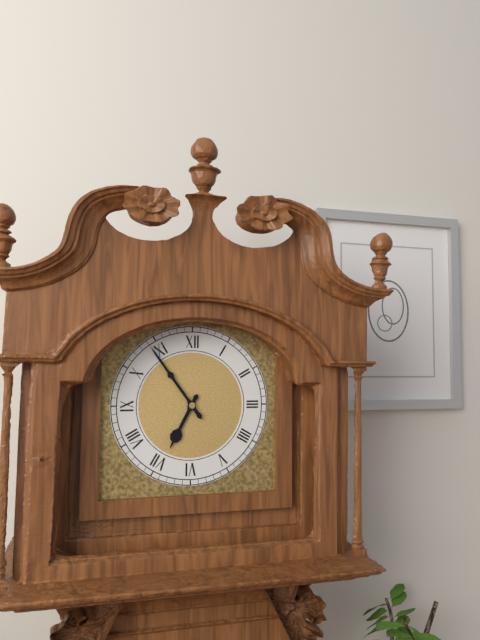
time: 6:54
